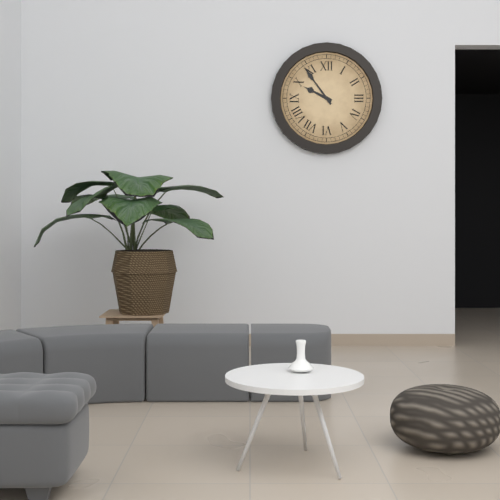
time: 9:54
